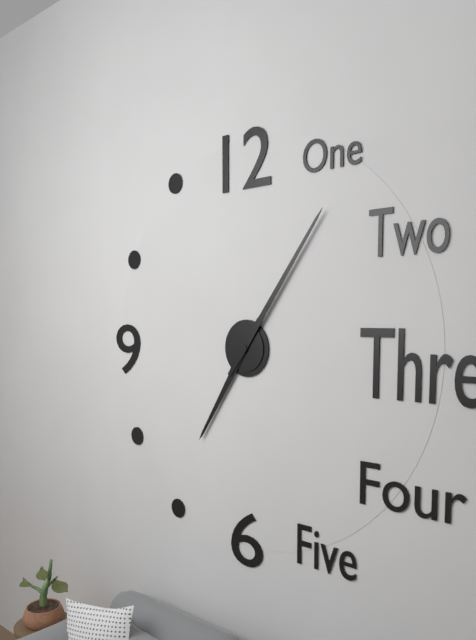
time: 7:06
